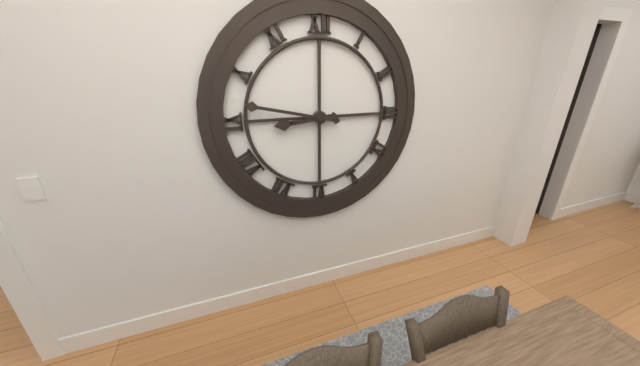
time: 8:47
